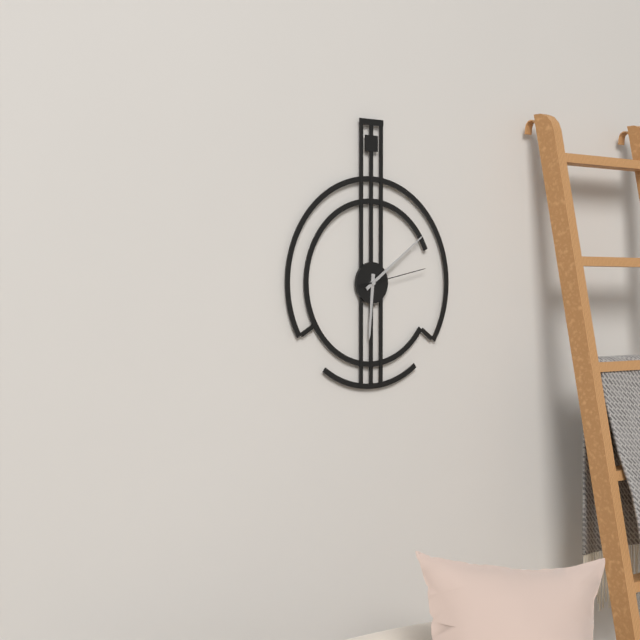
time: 6:09:13
